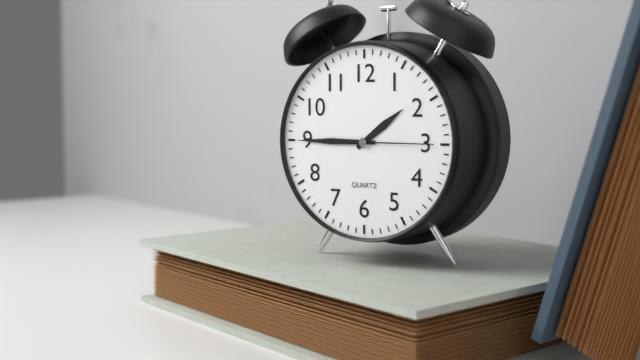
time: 1:45:15
